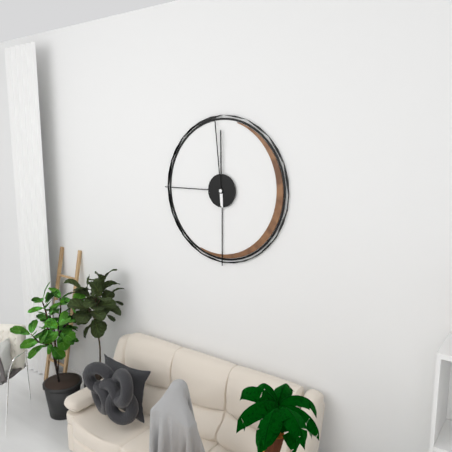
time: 11:59
